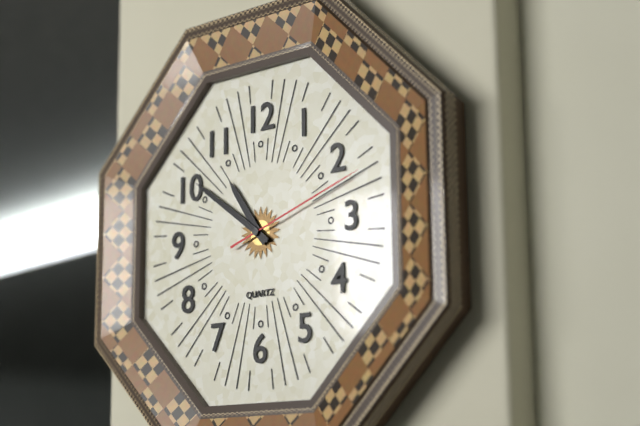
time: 10:51:12
